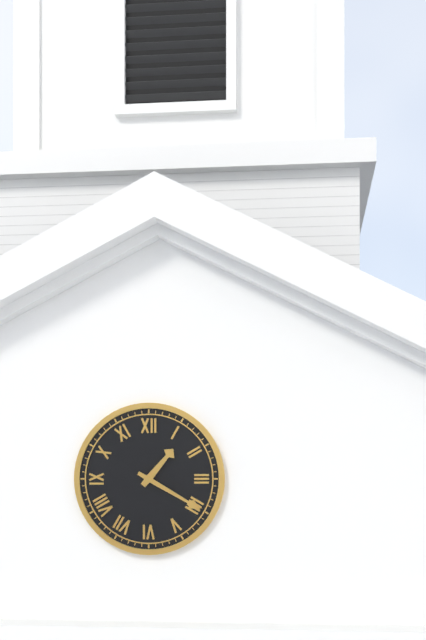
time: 1:20
